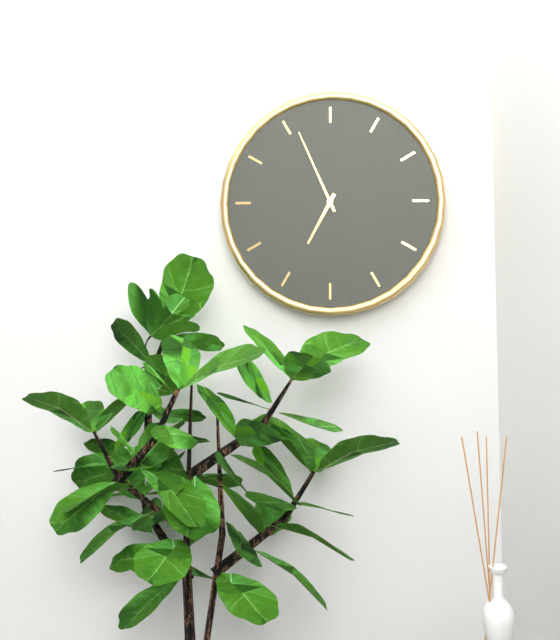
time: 6:56
